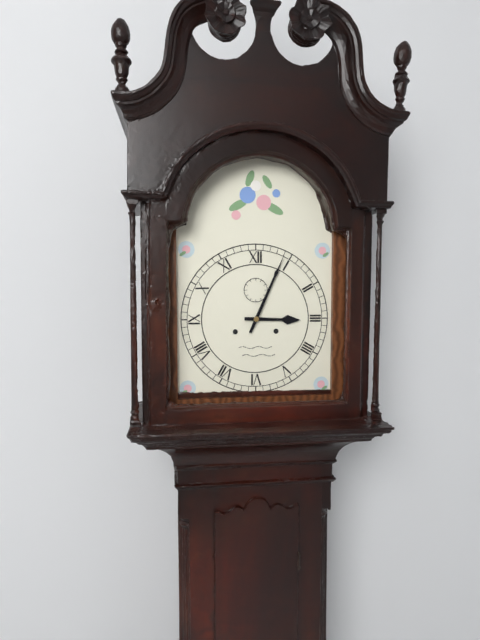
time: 3:04
